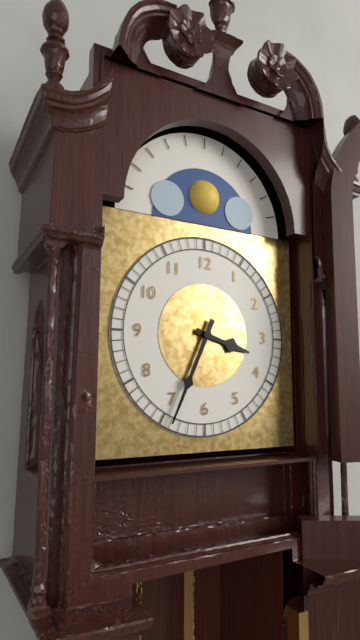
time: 3:34
